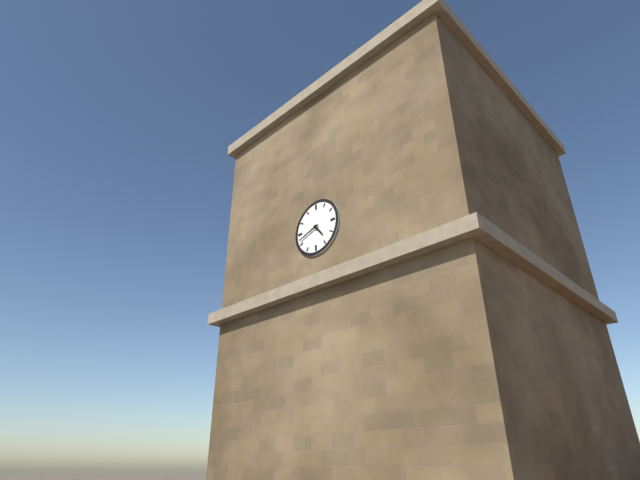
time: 4:42
